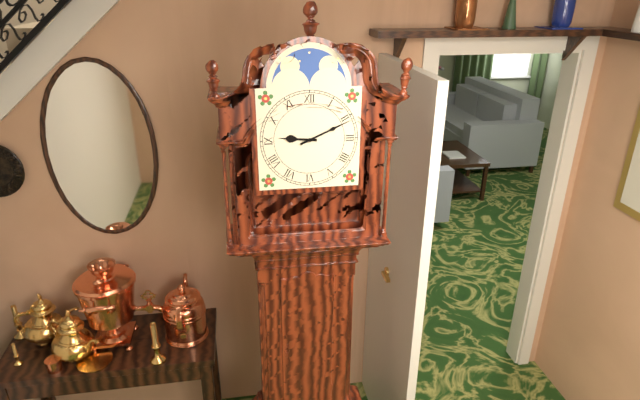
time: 9:11
